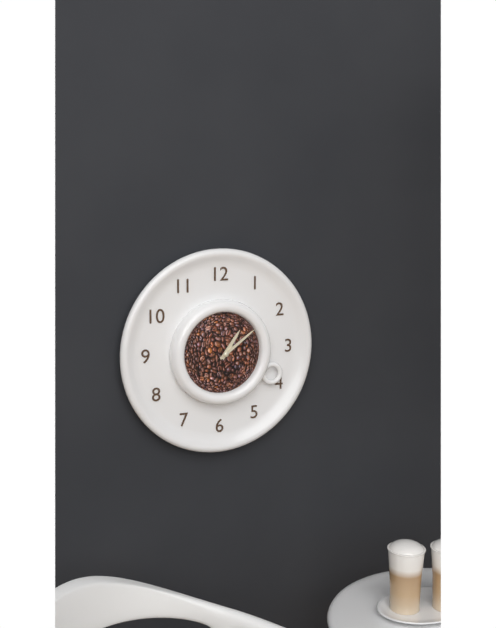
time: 1:09
